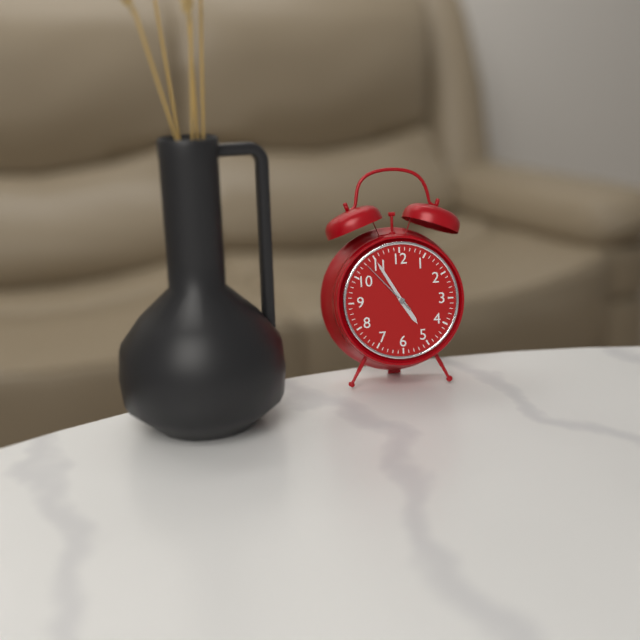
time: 4:55:53
